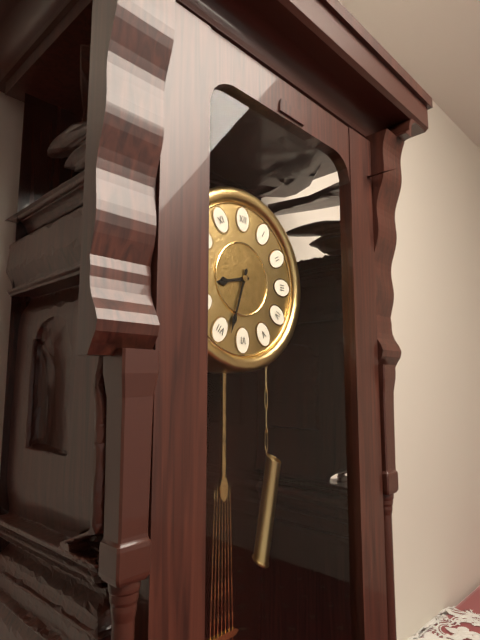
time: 8:33
